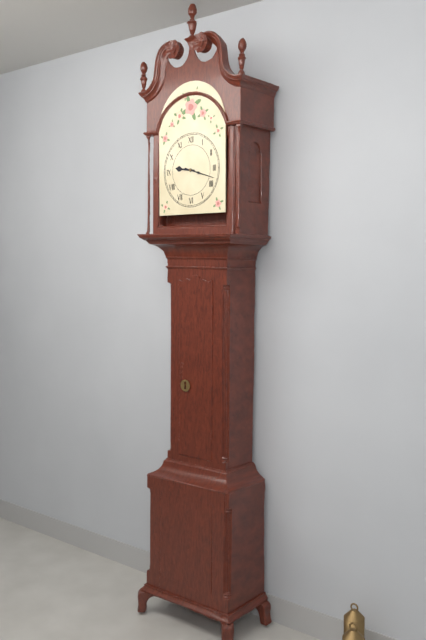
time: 9:18
